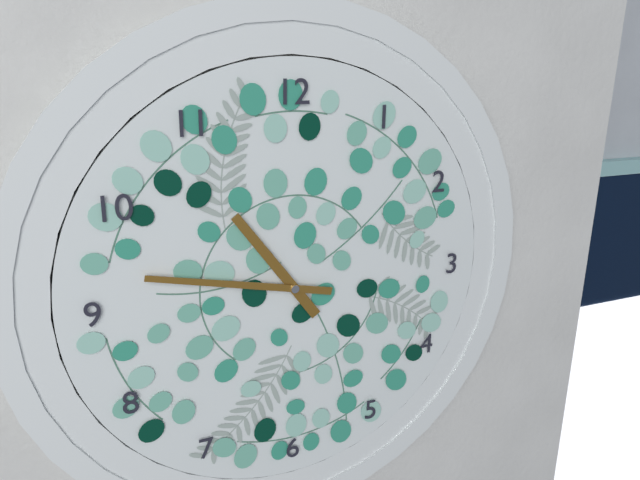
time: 10:47
